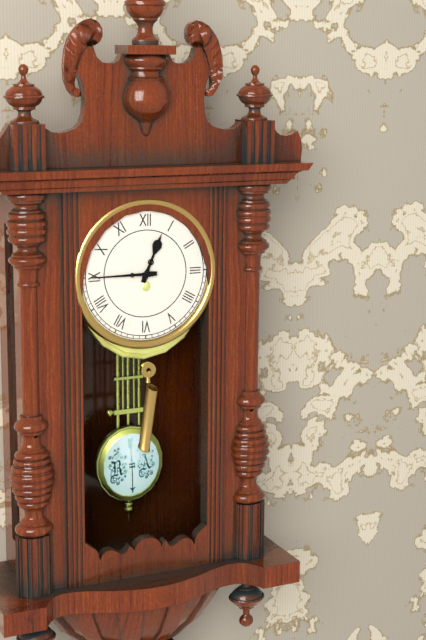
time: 12:45
